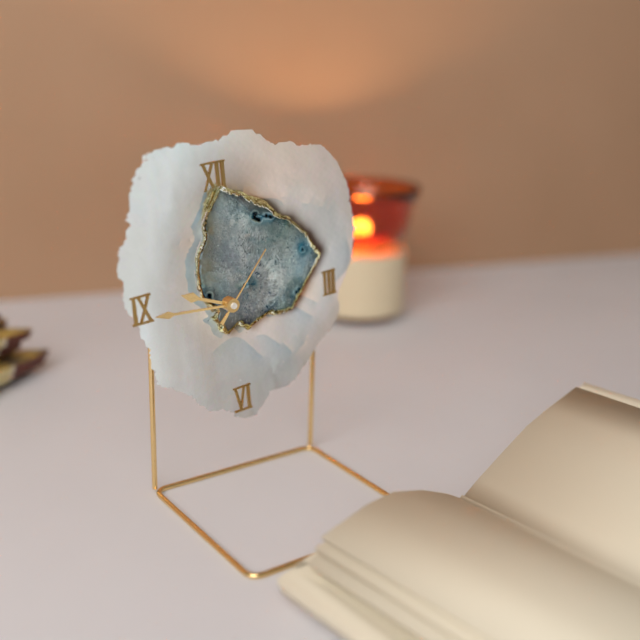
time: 9:46:07
